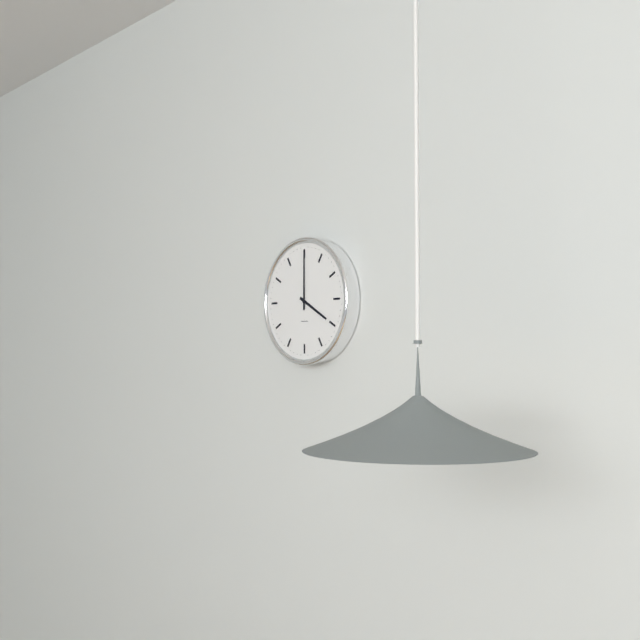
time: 4:00
